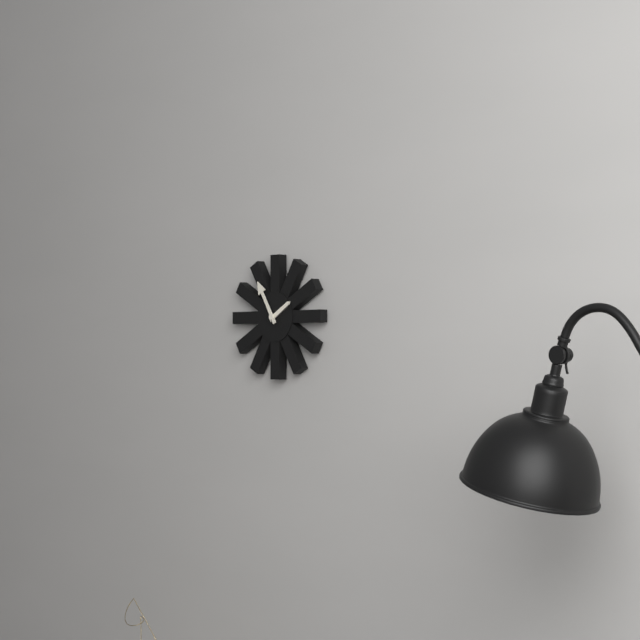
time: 1:55
